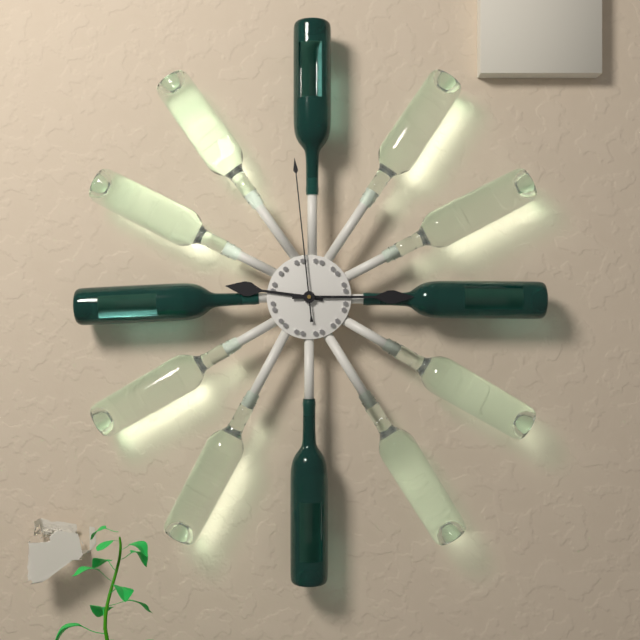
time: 9:15:59
